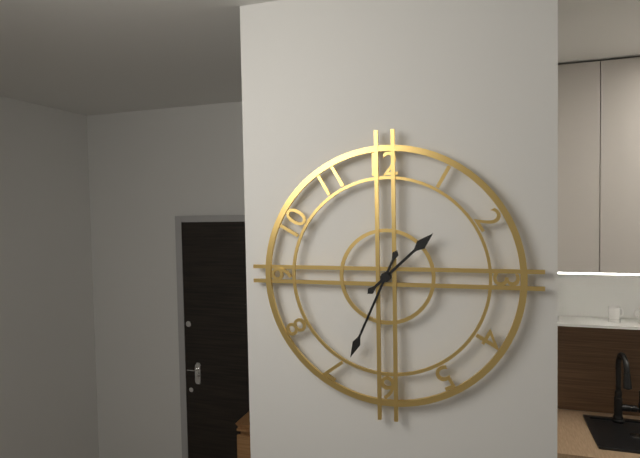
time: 1:34
